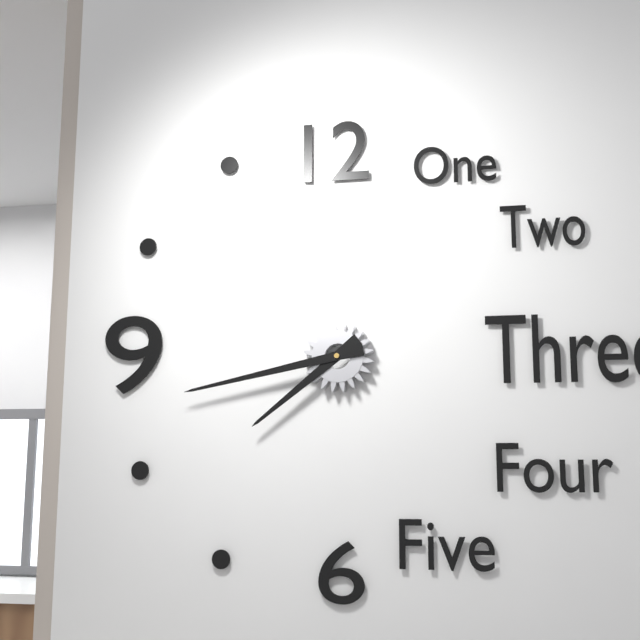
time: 7:43
